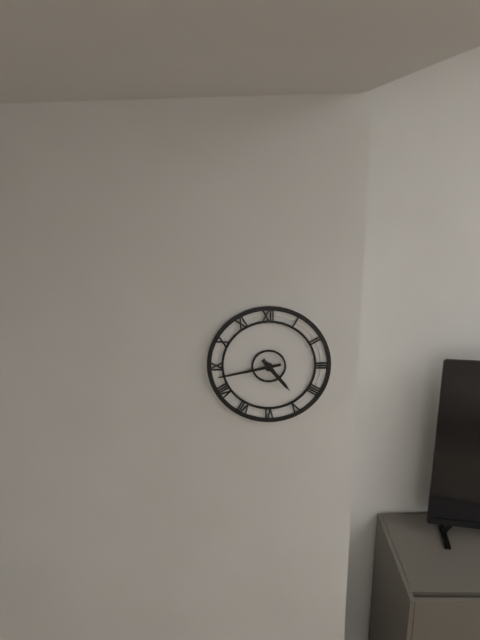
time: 4:43
